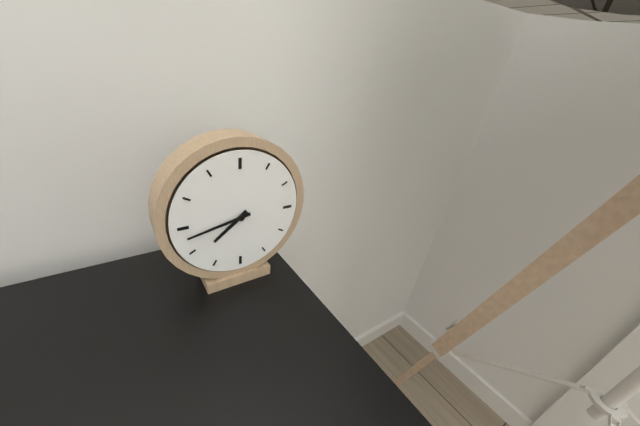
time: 7:43
